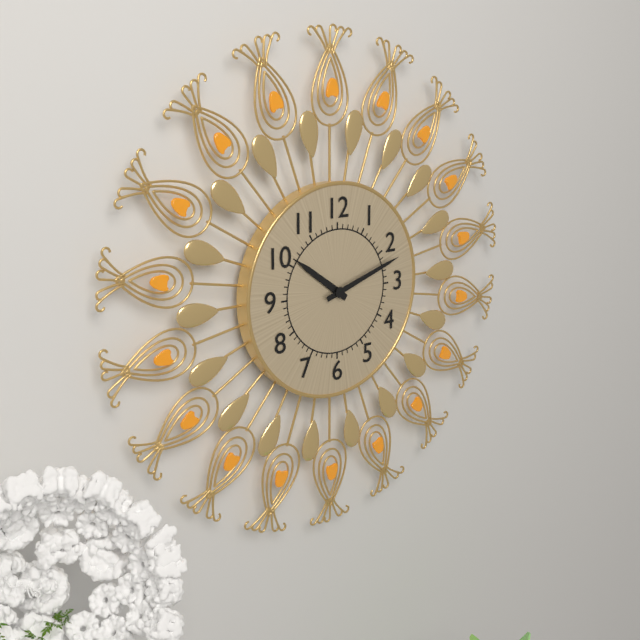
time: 10:12
